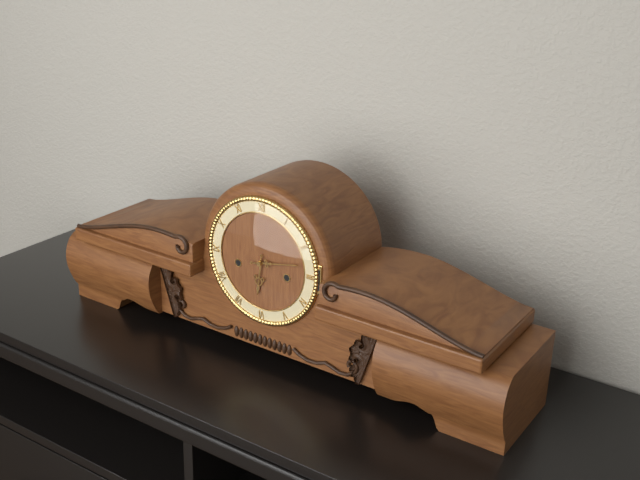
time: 6:13
